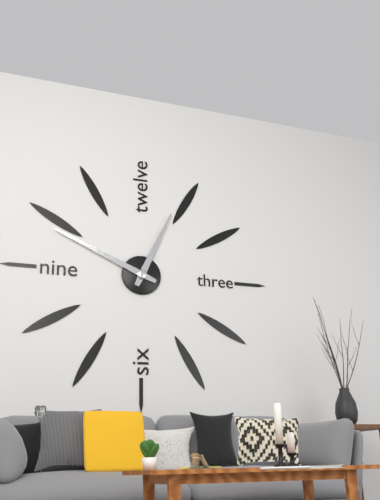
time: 12:49
